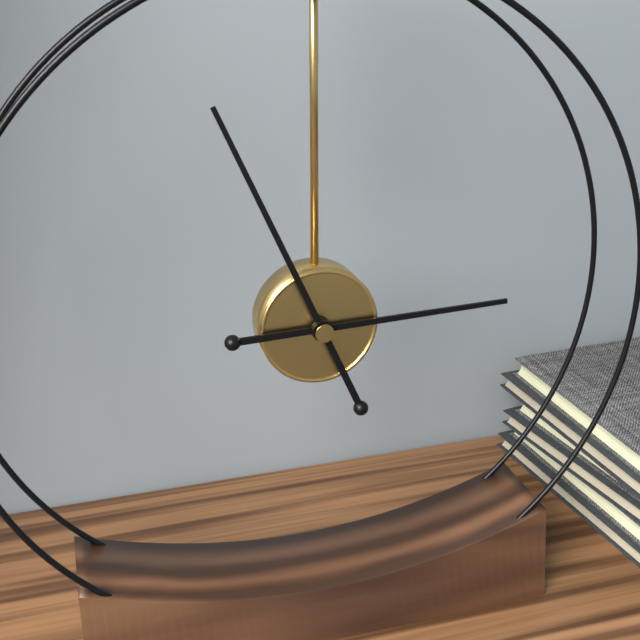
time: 2:56
